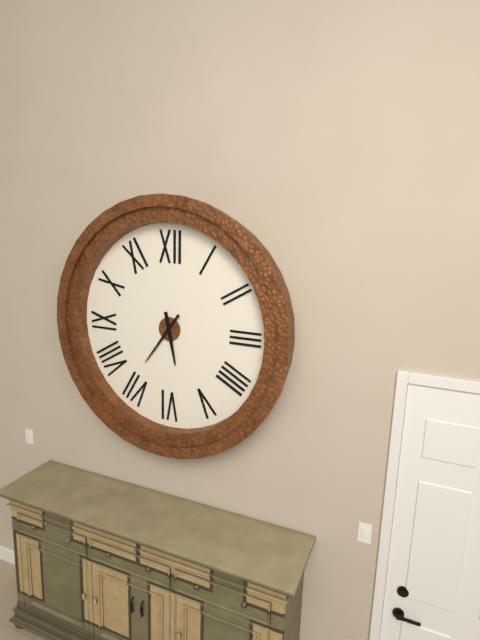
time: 5:36
